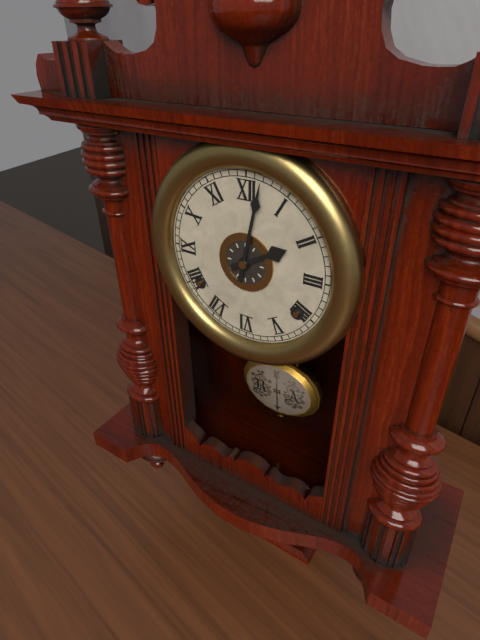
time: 2:02
